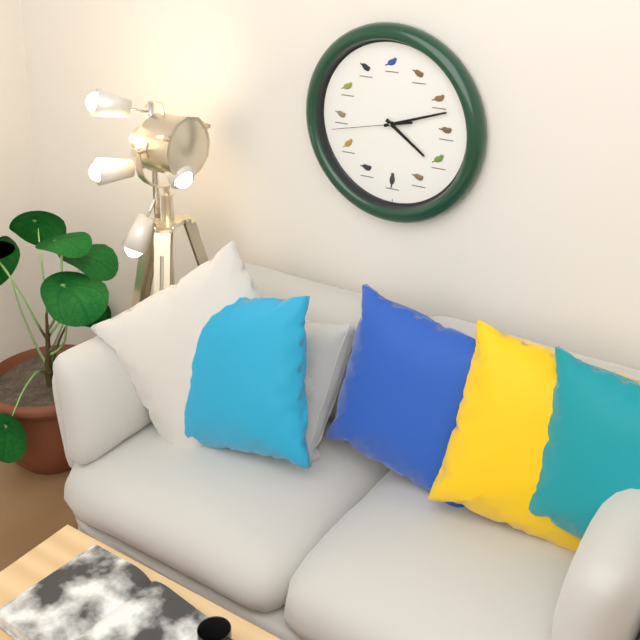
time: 4:12:43
